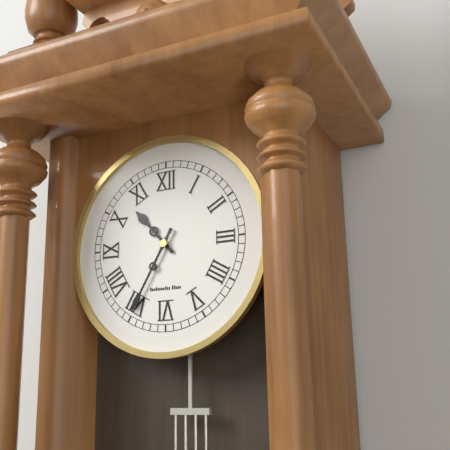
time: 10:35
